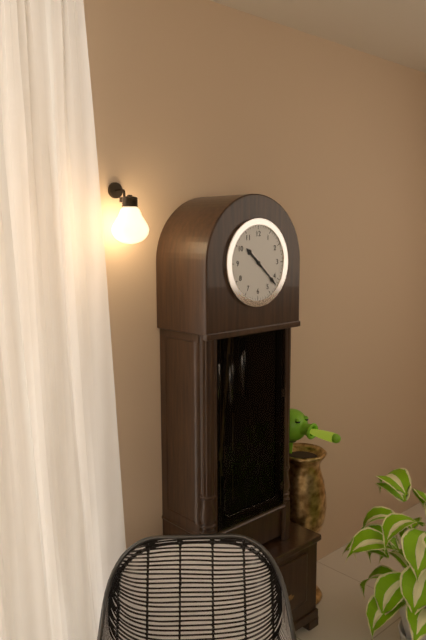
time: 10:22
